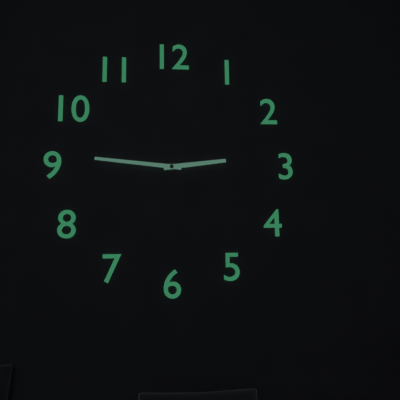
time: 2:46
